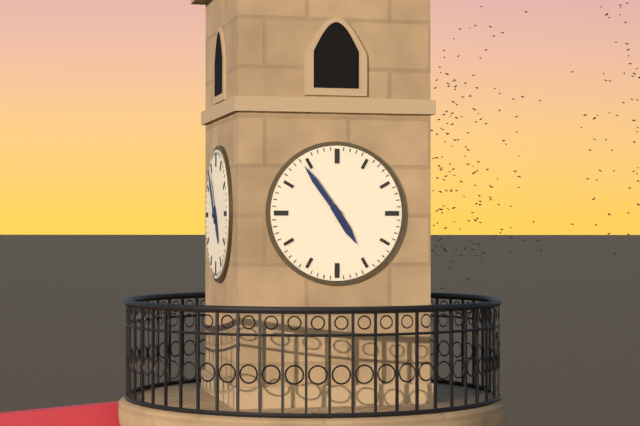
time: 4:54
